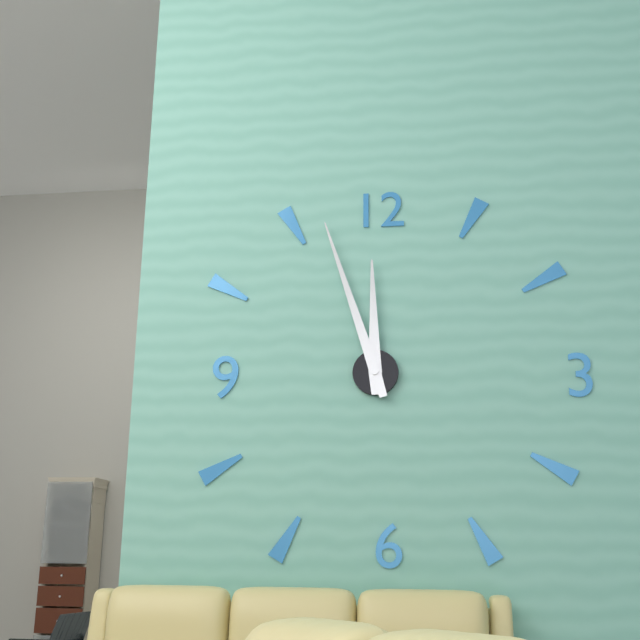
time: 11:57
